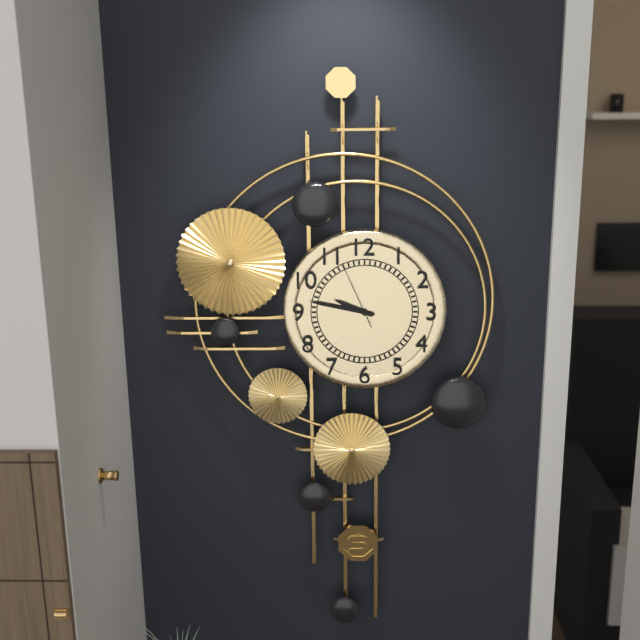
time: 9:47:56
